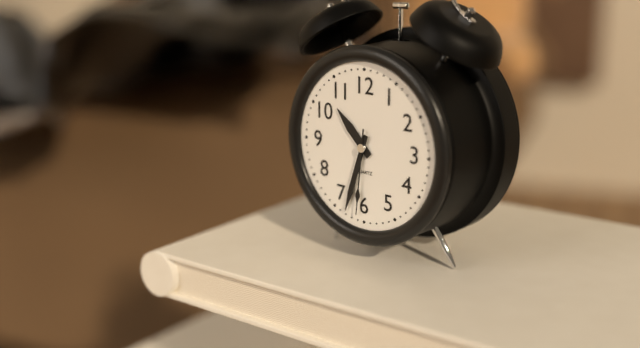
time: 10:33:31
